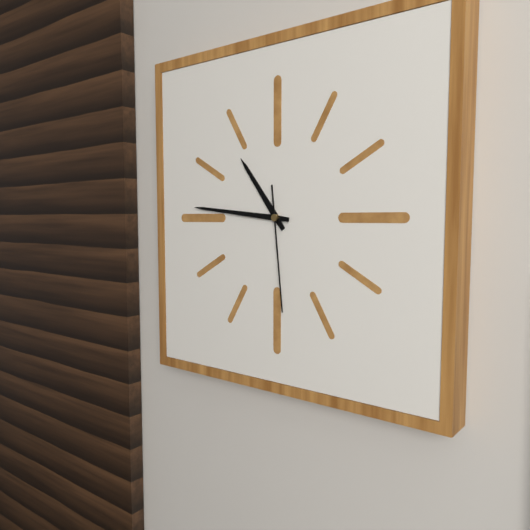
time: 10:46:29
